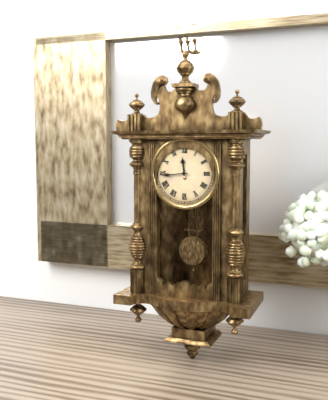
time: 11:44
